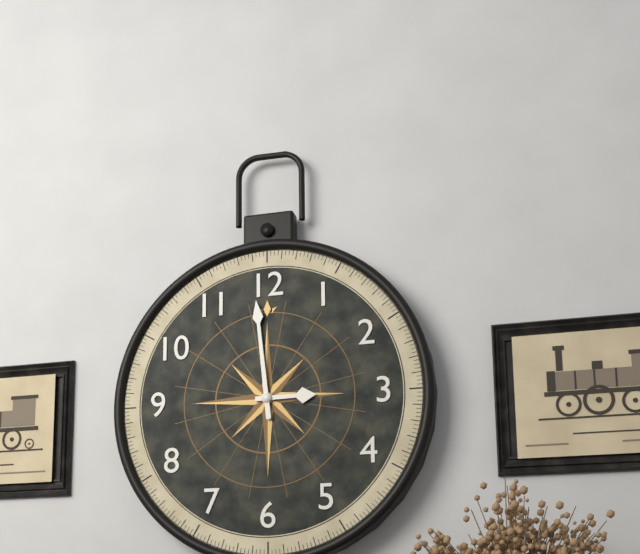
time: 2:59
